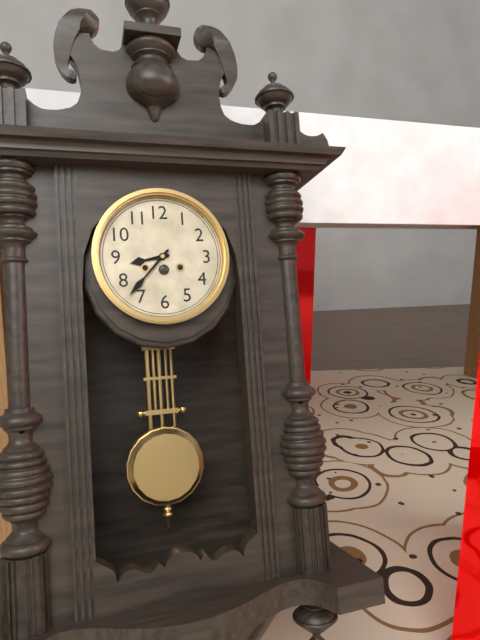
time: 8:37
